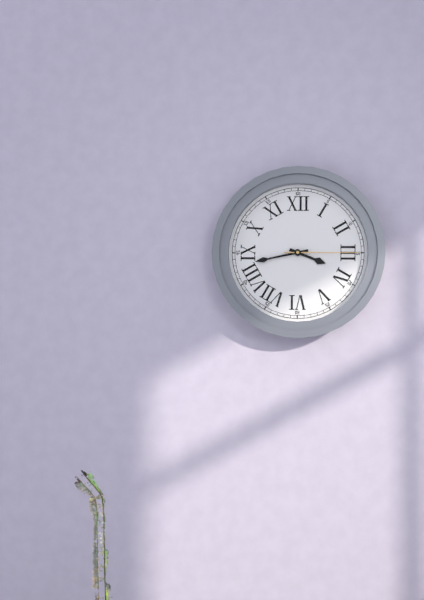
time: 3:43:15
